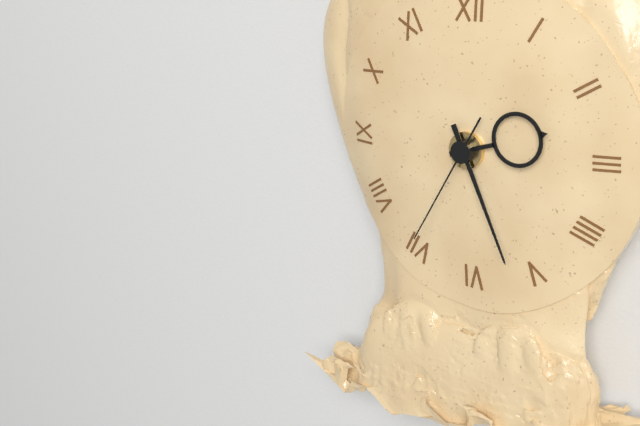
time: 2:26:35
